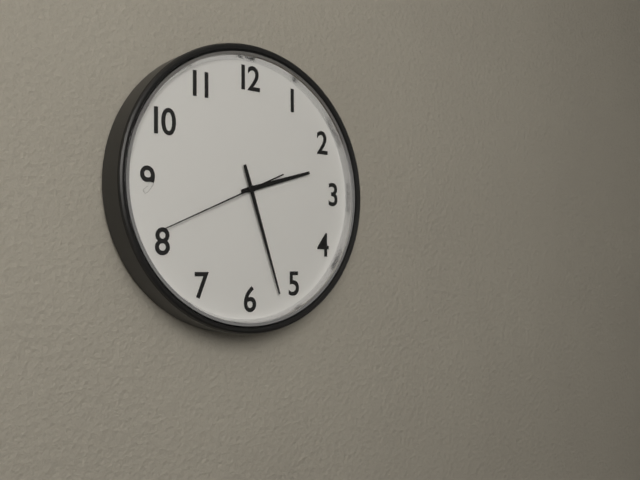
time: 2:27:41
